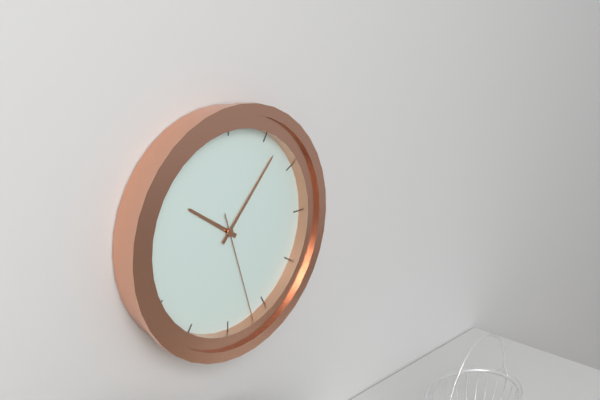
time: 10:07:27
